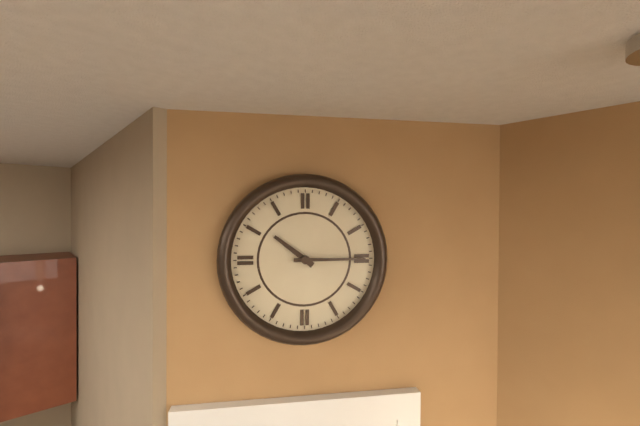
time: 10:15
